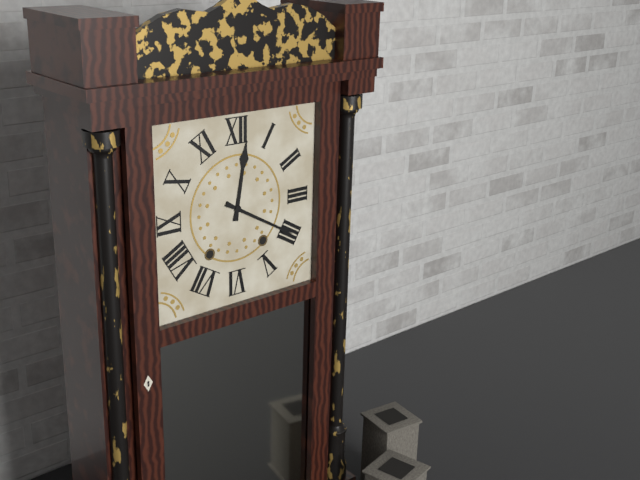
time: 12:20
